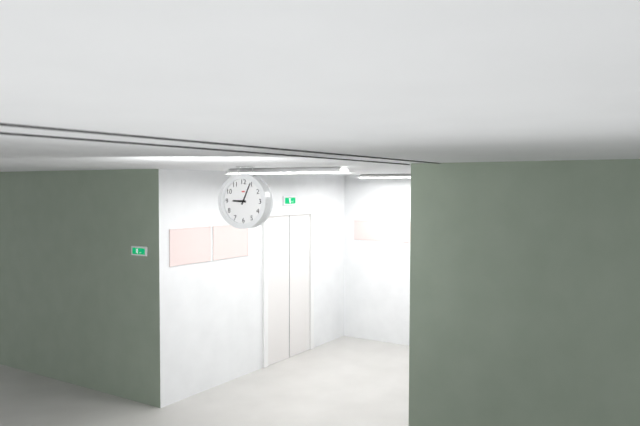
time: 9:04
